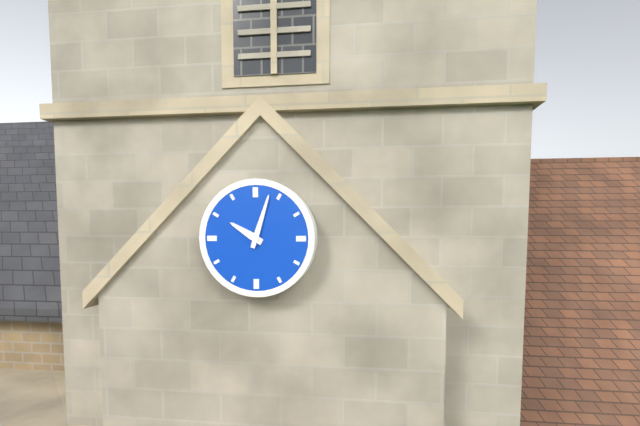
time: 10:03
